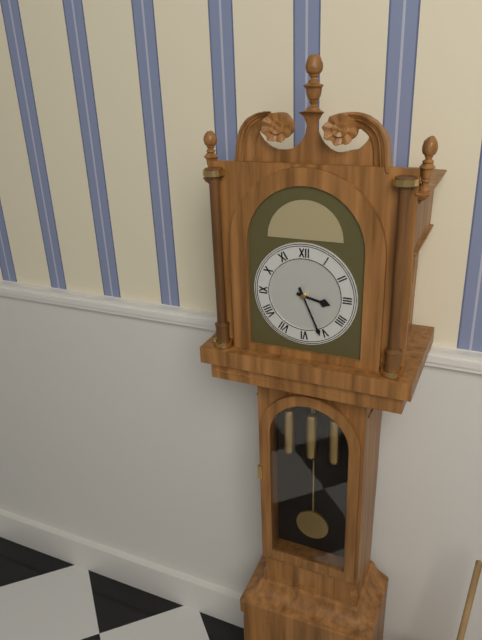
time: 3:26
